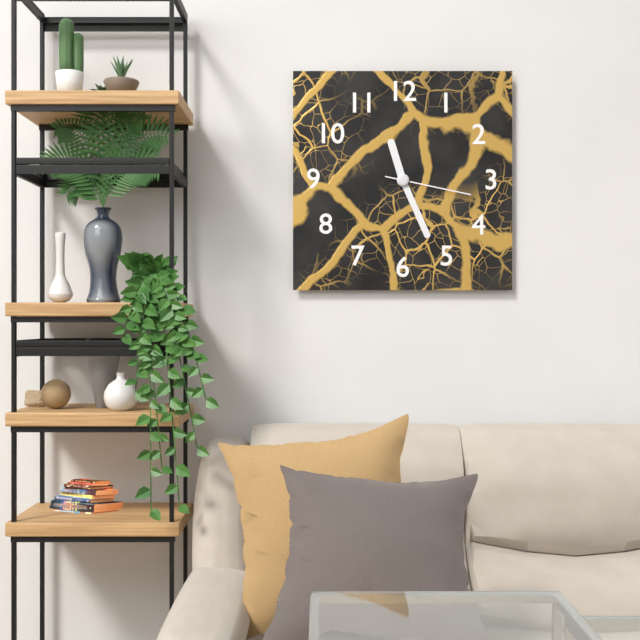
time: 11:26:17
